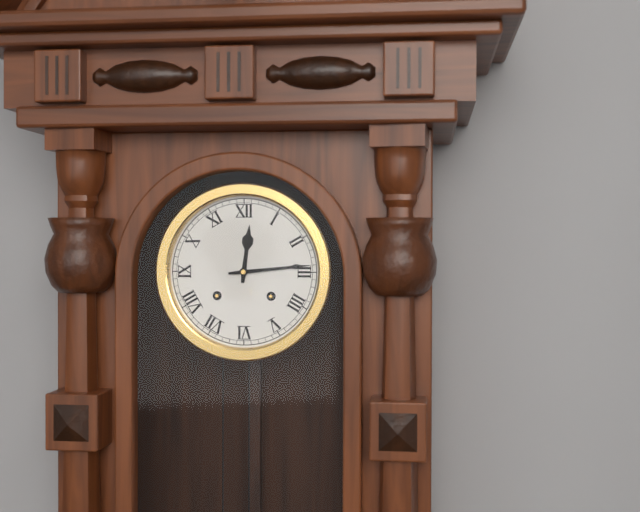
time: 12:14
